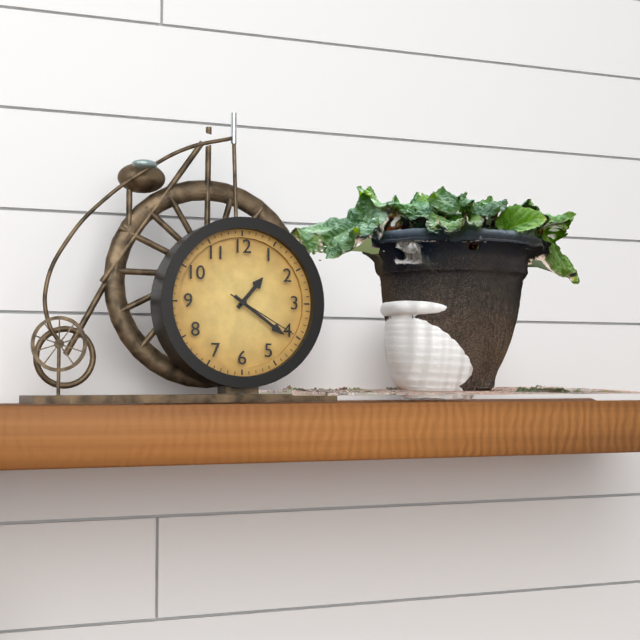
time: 1:21:20
